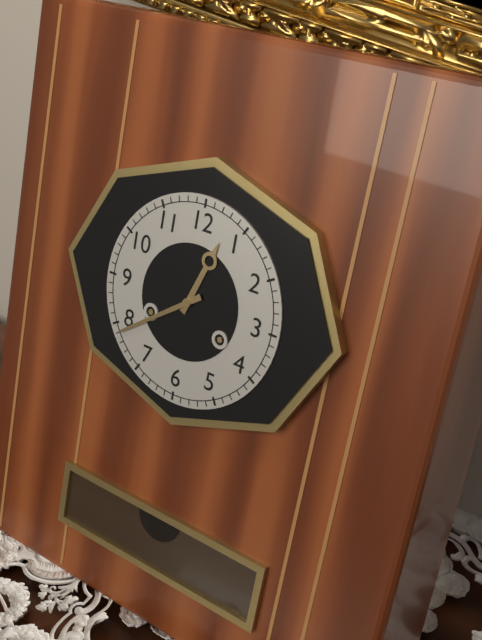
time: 12:39
